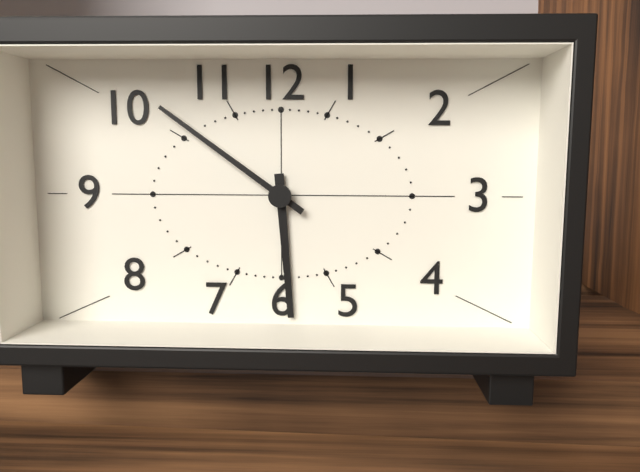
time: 5:51
